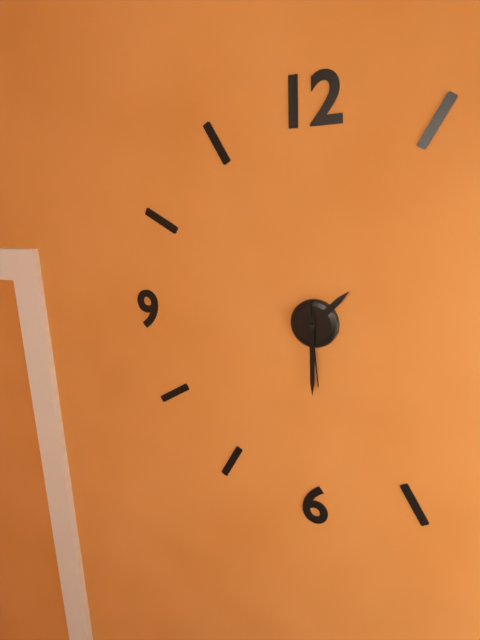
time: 1:30:29
